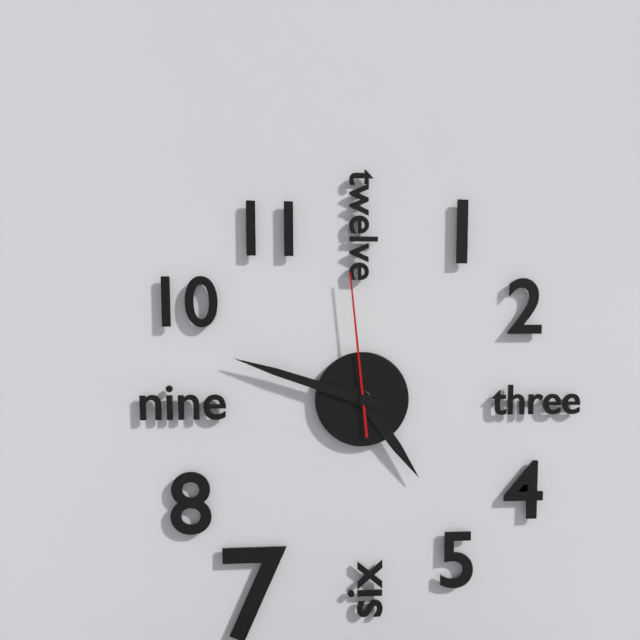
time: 4:48:59
